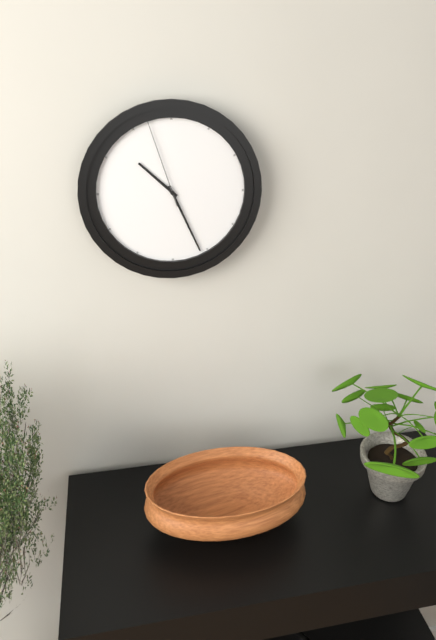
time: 10:26:57
